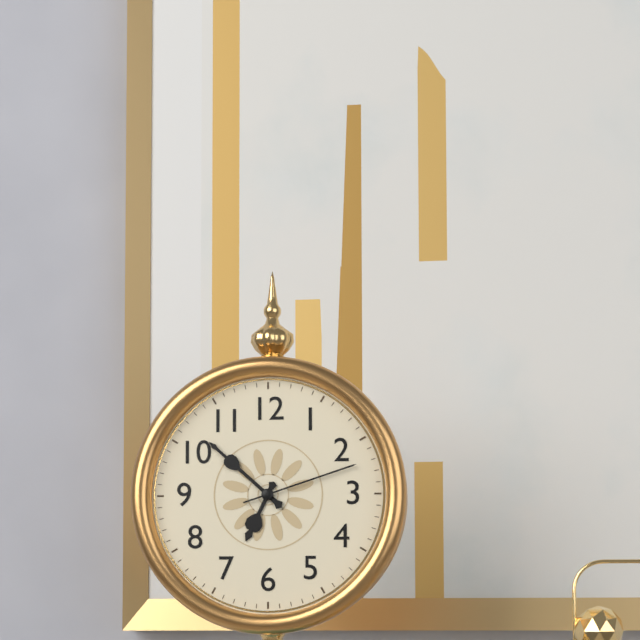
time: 6:52:12
